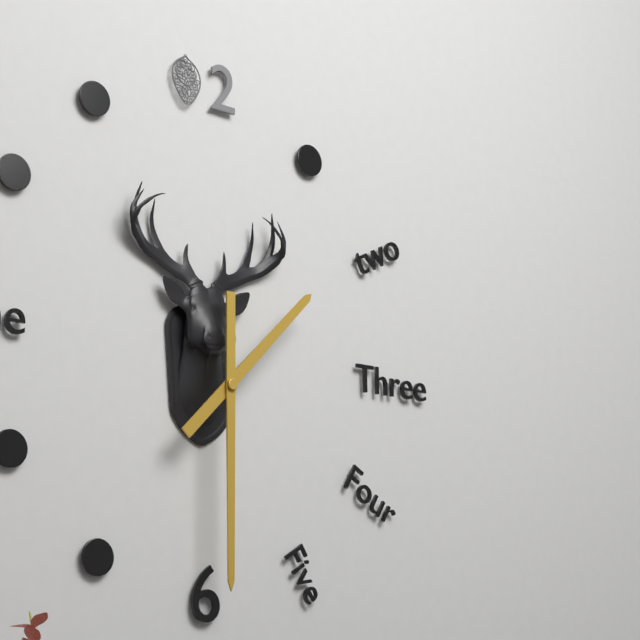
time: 1:30
